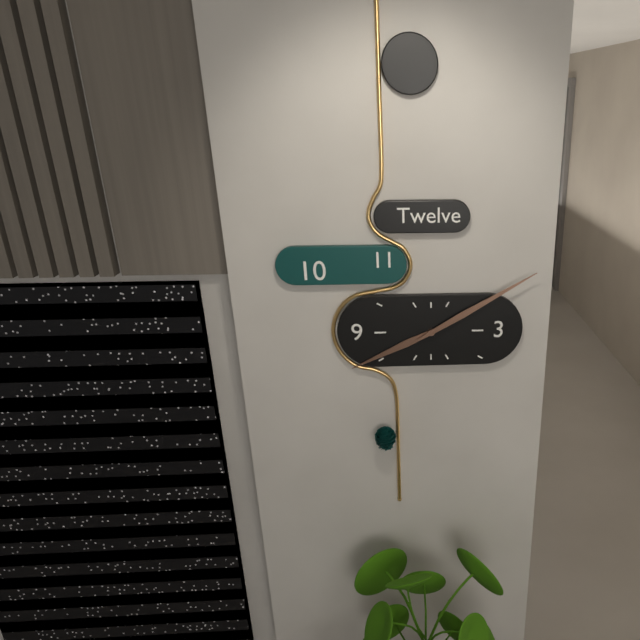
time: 8:10
